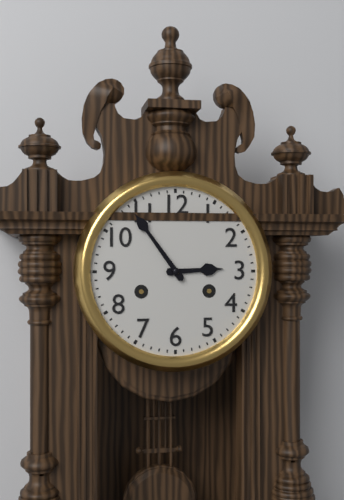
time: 2:54
